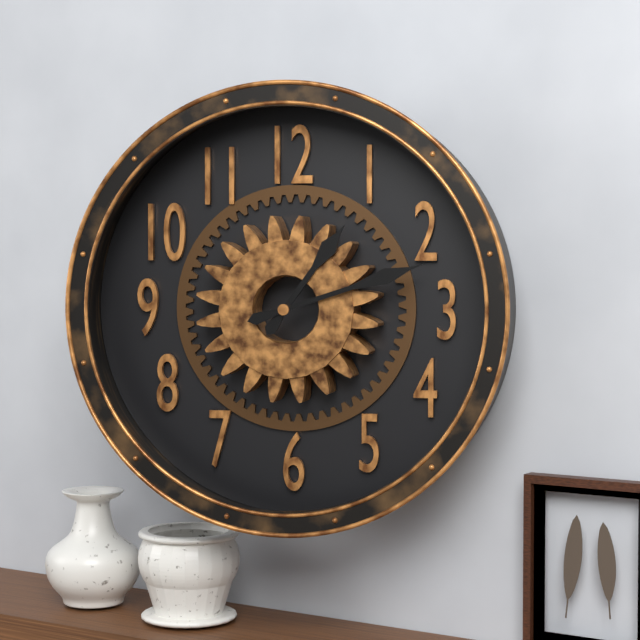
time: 1:12
